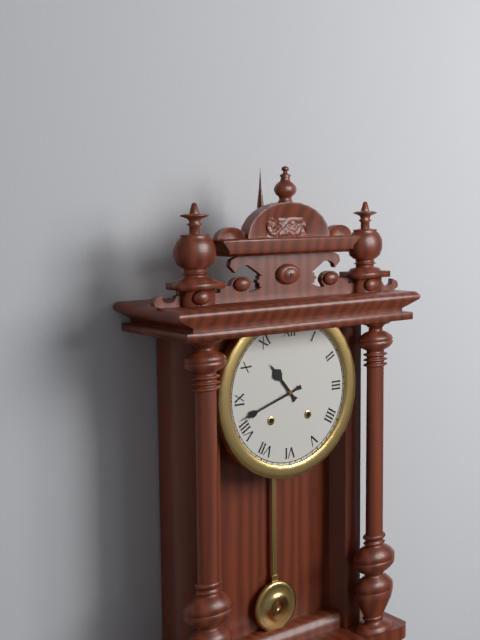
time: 10:42
